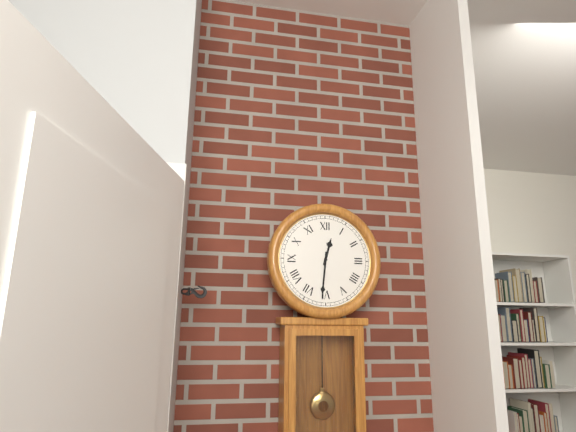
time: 12:31
